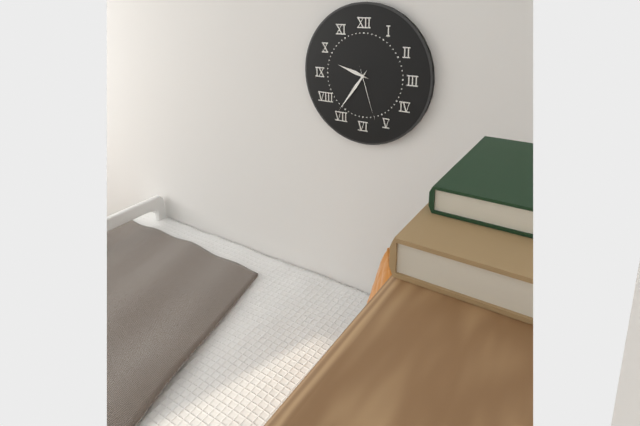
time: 9:36:27
